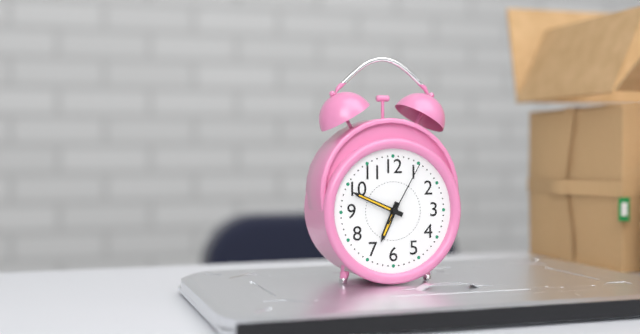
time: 6:49:05
